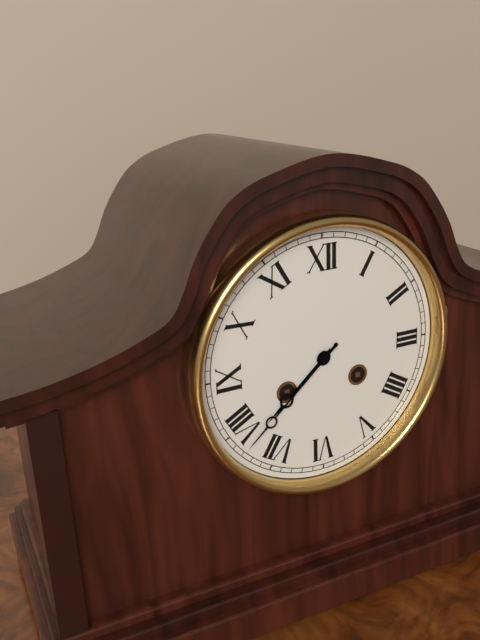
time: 7:38
